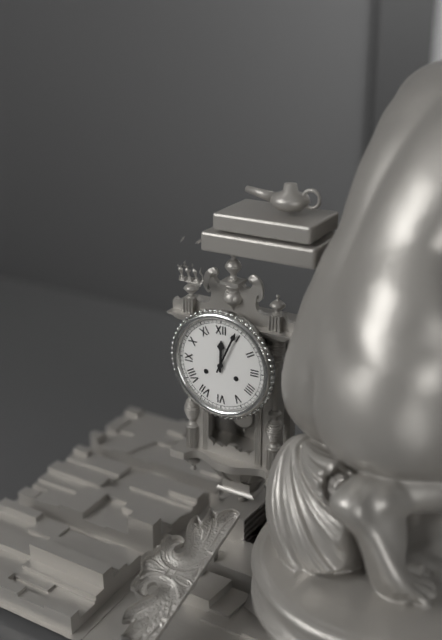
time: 12:04
